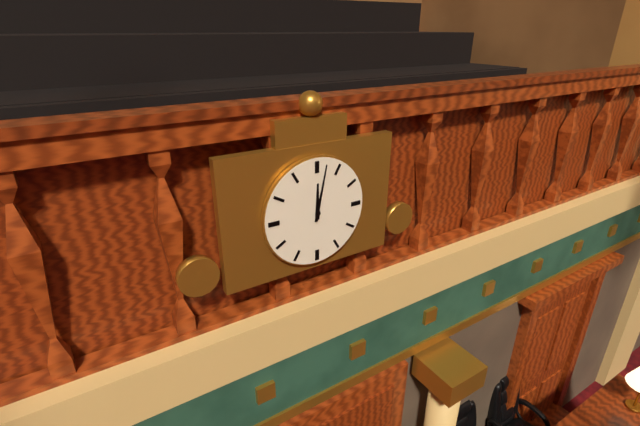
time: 12:02
